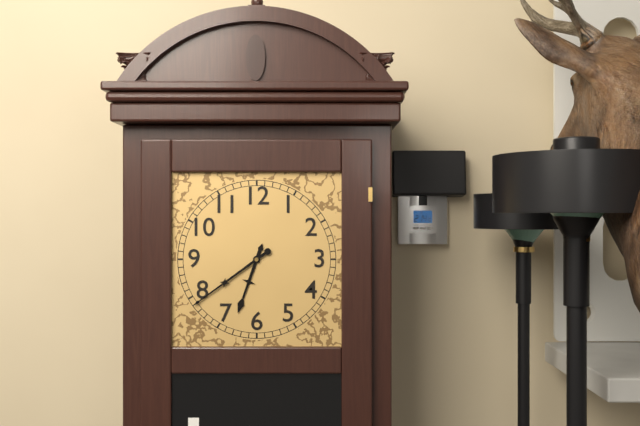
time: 6:39
